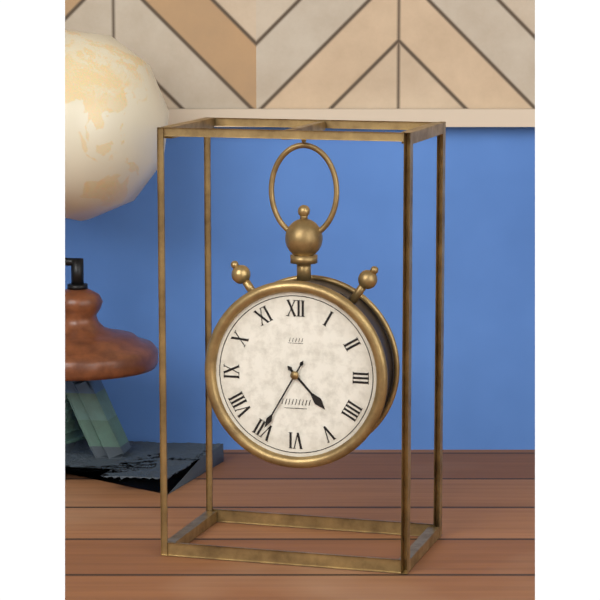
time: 4:35
